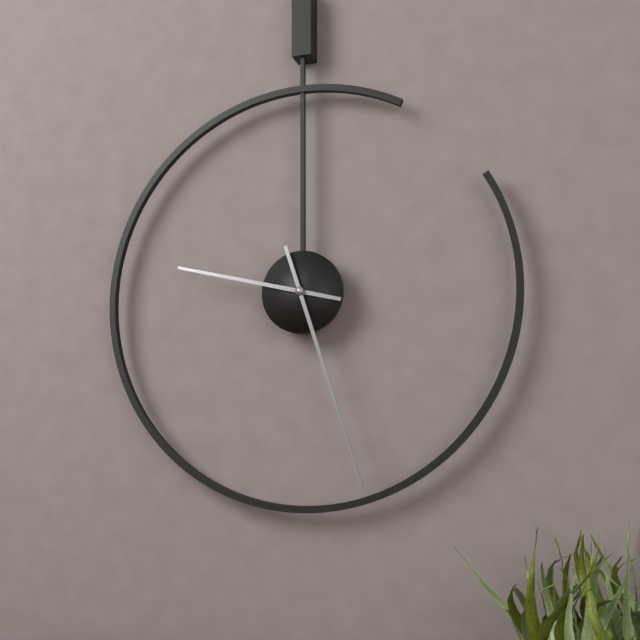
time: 9:27
